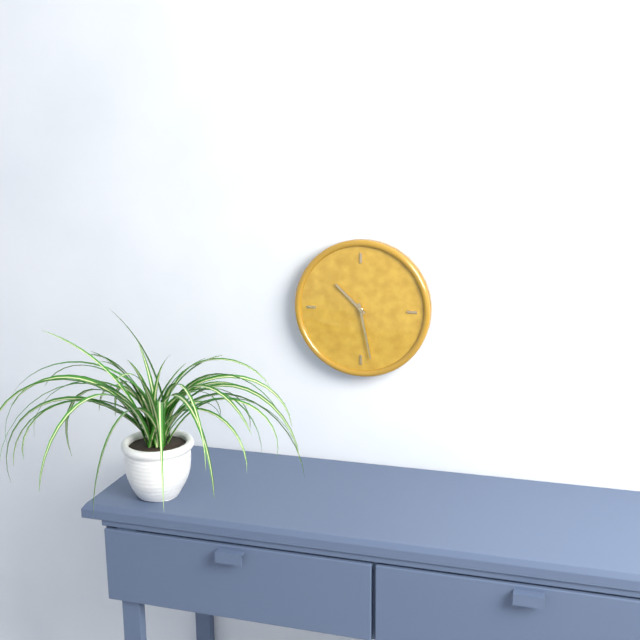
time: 10:28
